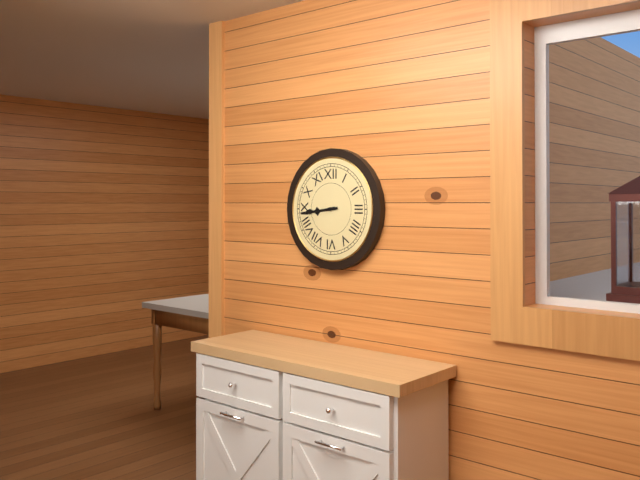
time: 8:44
